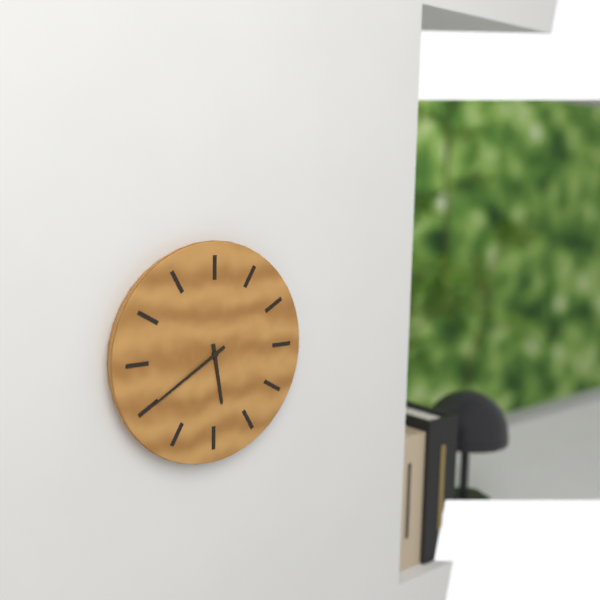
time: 5:40
